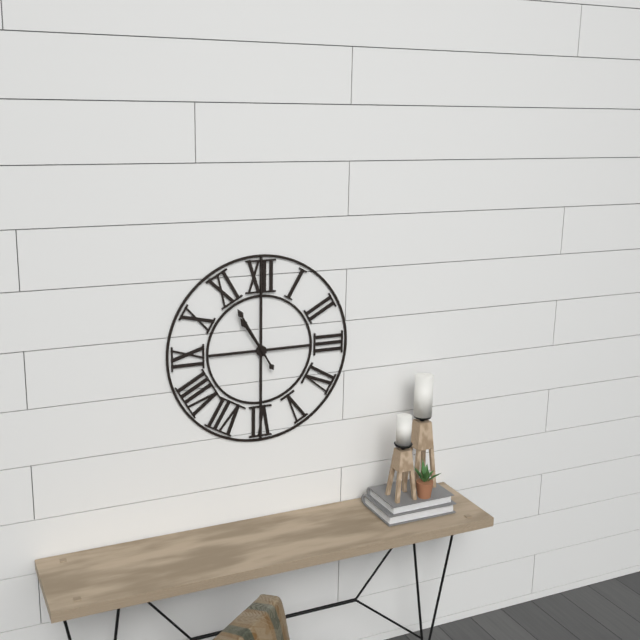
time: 10:55
